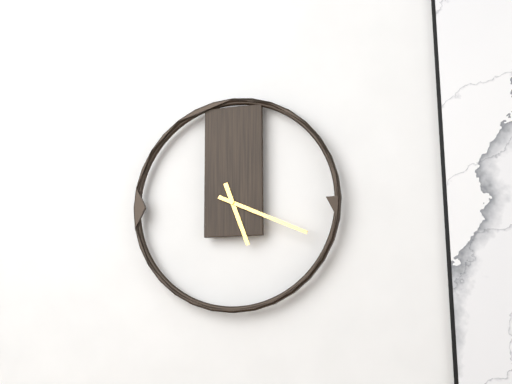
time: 5:19
